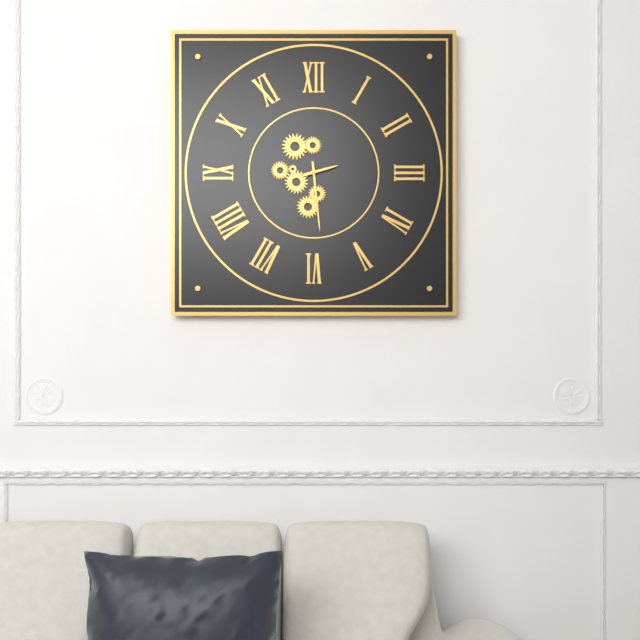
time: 2:29
